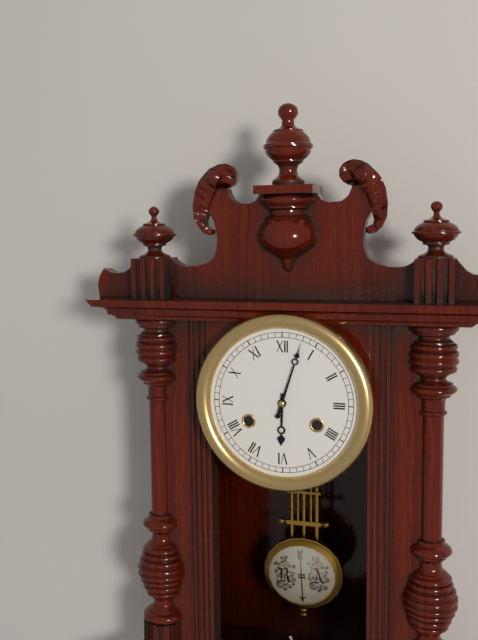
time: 6:03
